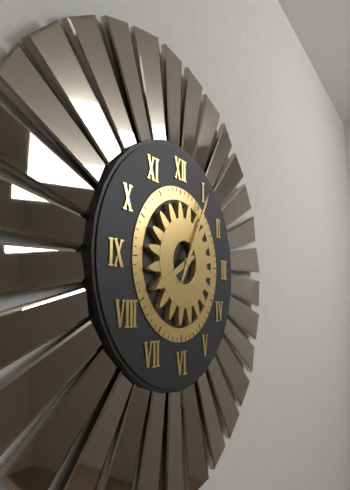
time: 8:05
